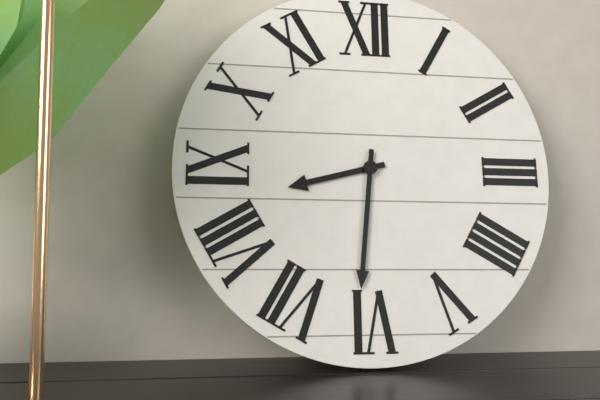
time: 8:31
